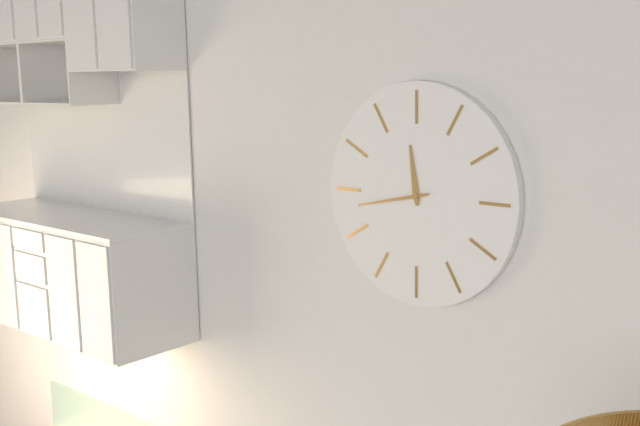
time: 11:43
